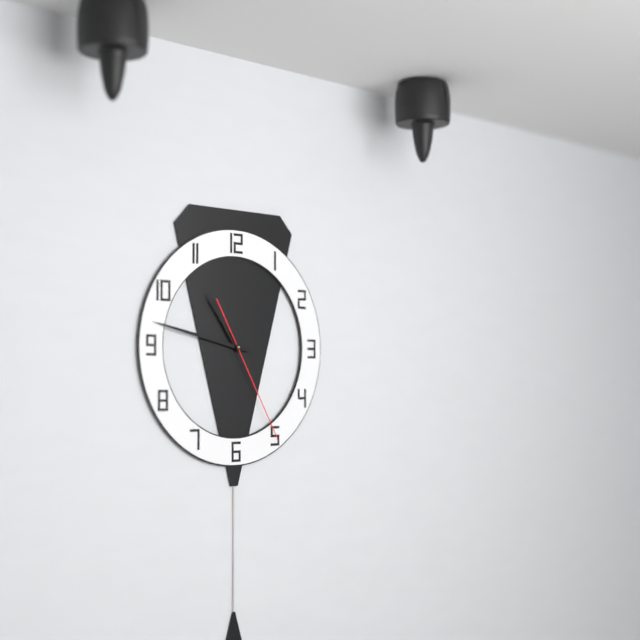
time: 10:47:25
